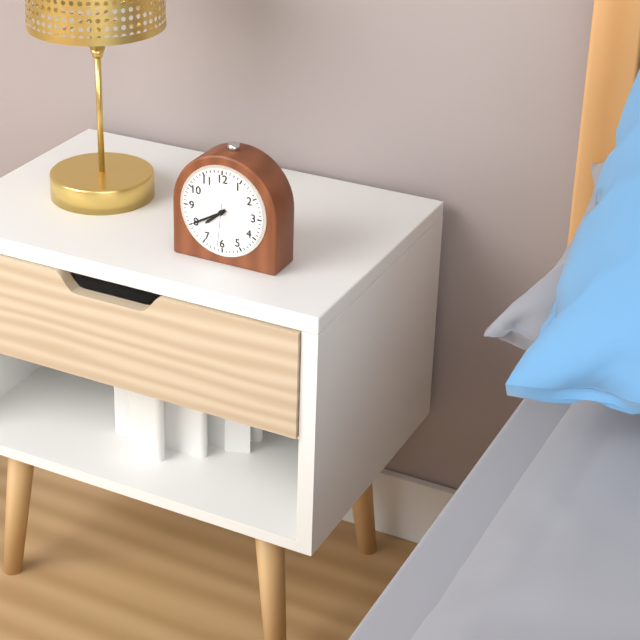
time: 7:40
